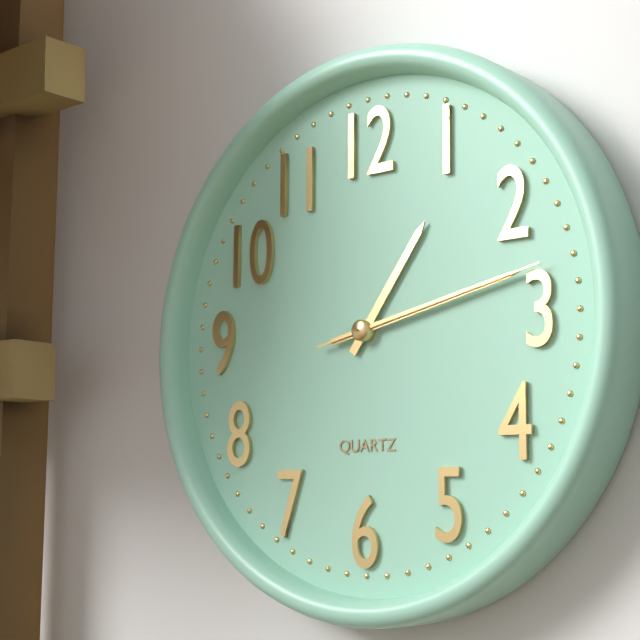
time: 1:13:13
